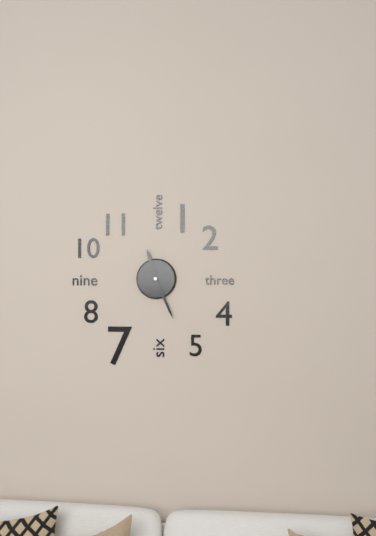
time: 11:26
